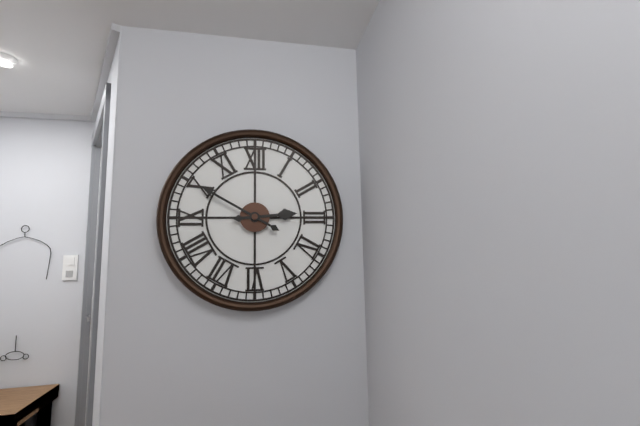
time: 2:50
